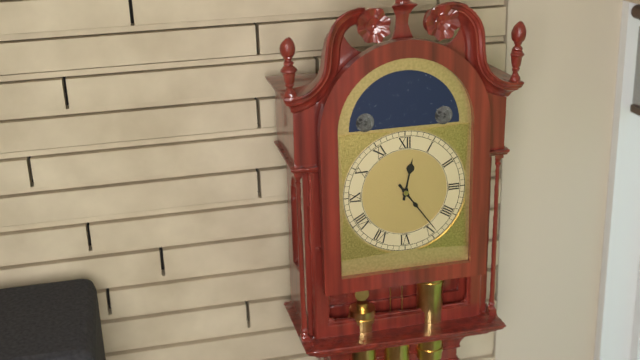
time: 12:24
